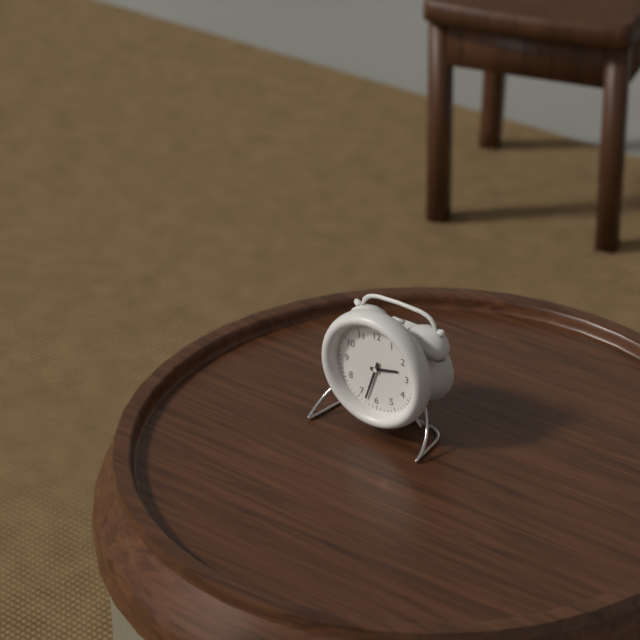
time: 2:33
